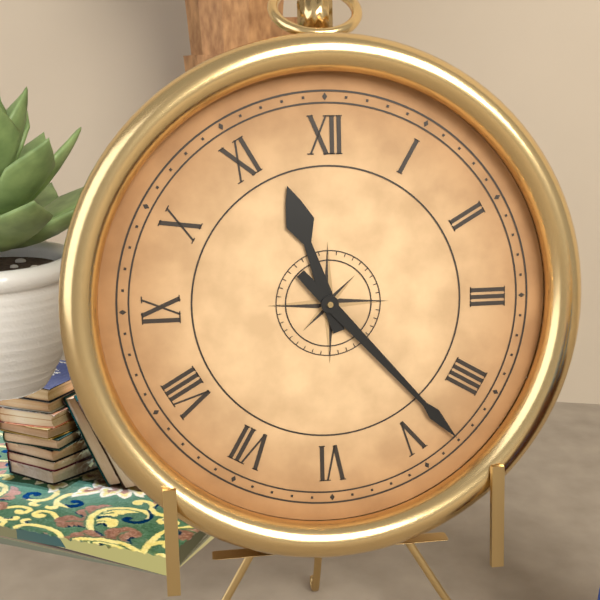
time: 11:23
